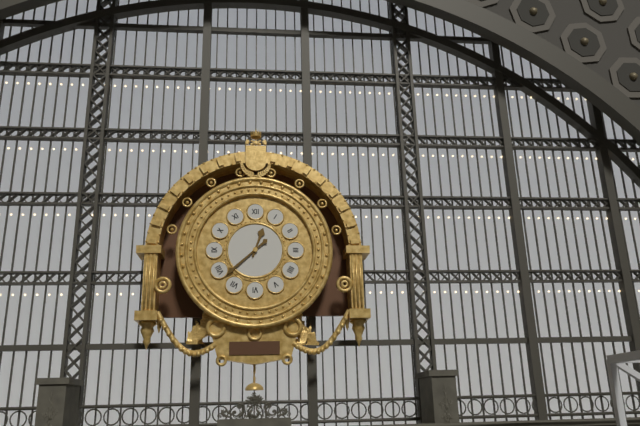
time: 12:38
